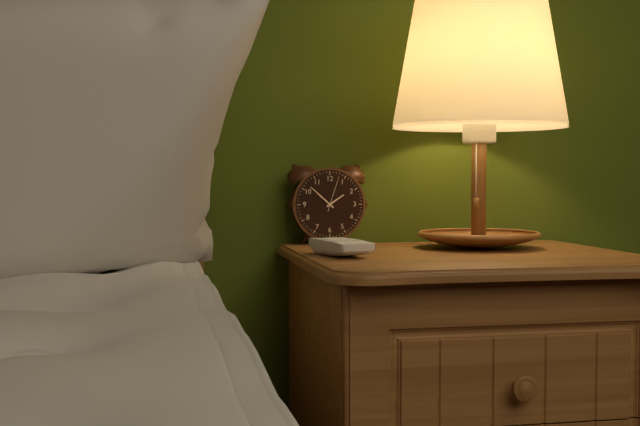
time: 1:52
